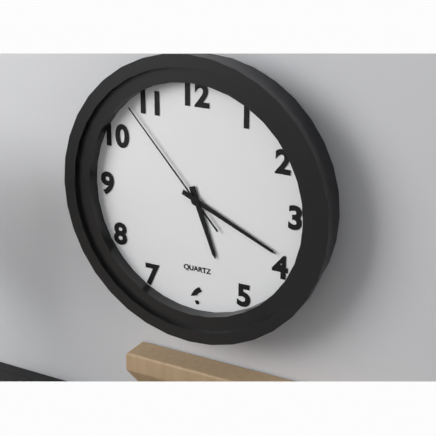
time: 5:19:53
